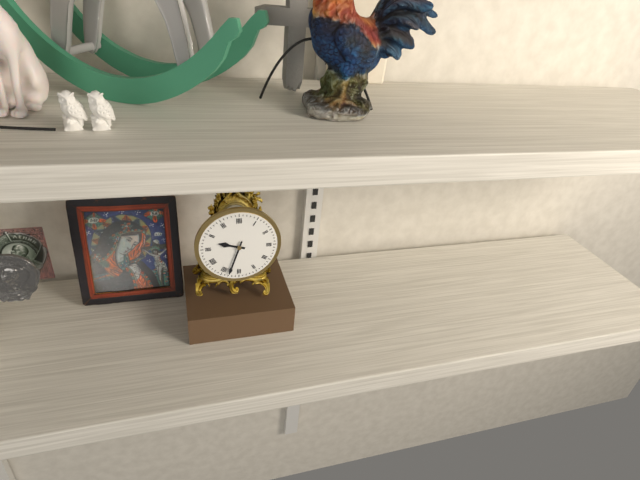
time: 9:33
